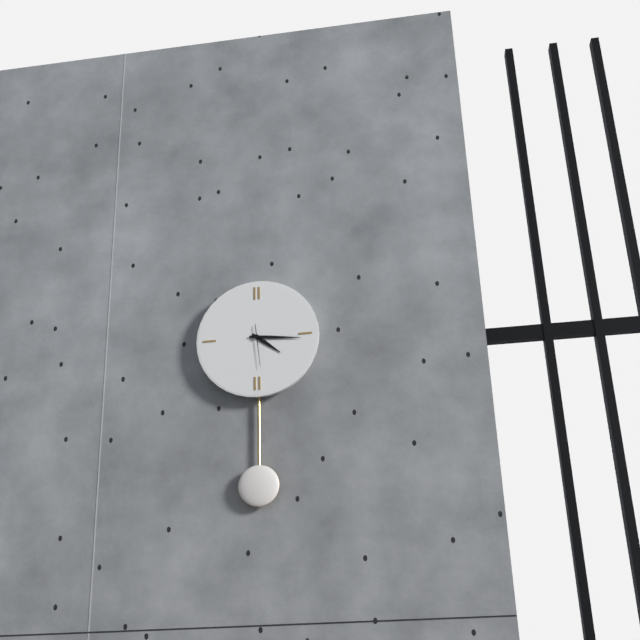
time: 4:16
